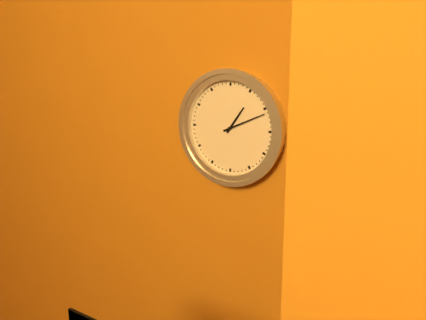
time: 1:11
